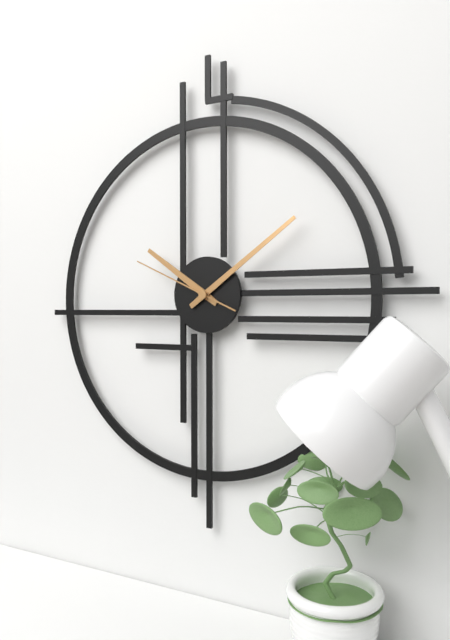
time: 10:09:49
